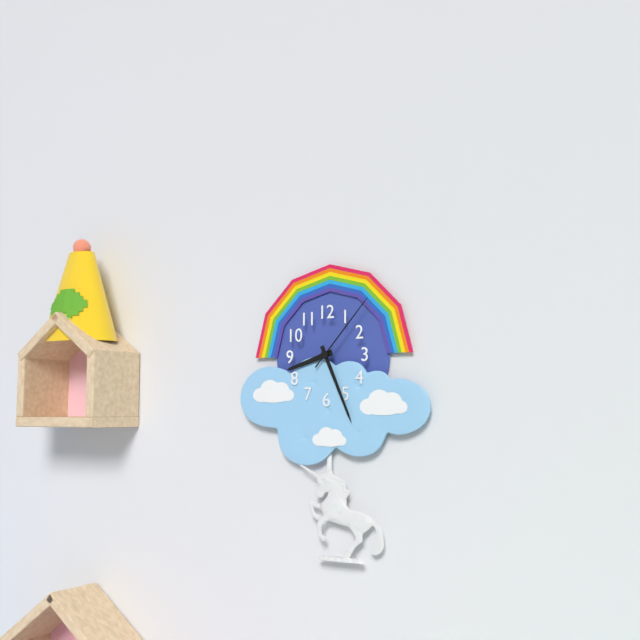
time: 8:26:07
